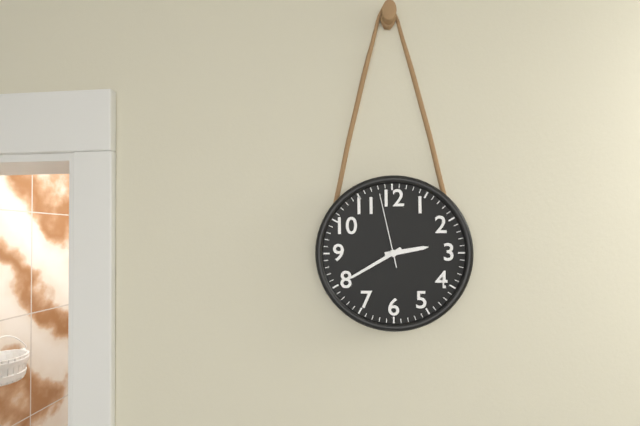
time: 2:40:58
